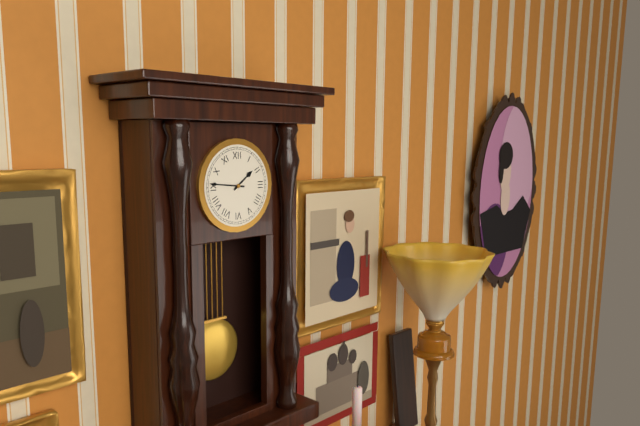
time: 1:46
